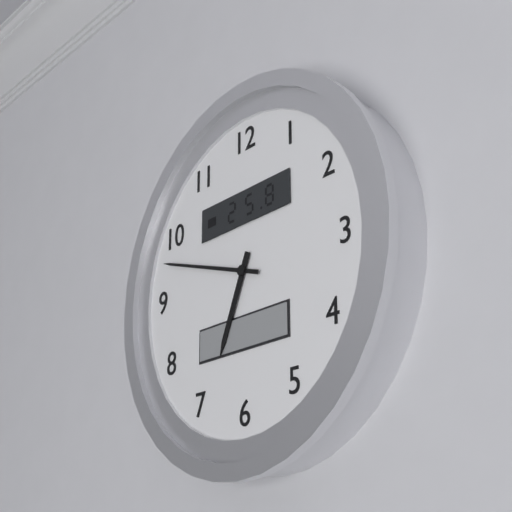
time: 6:48
